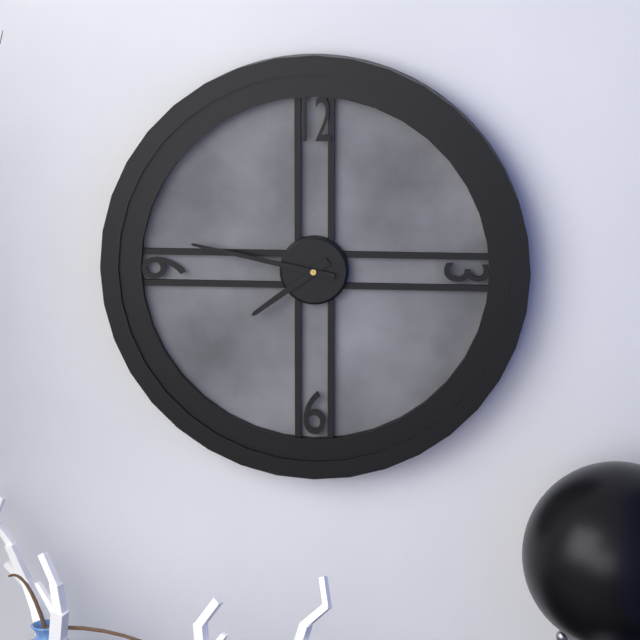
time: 7:47
